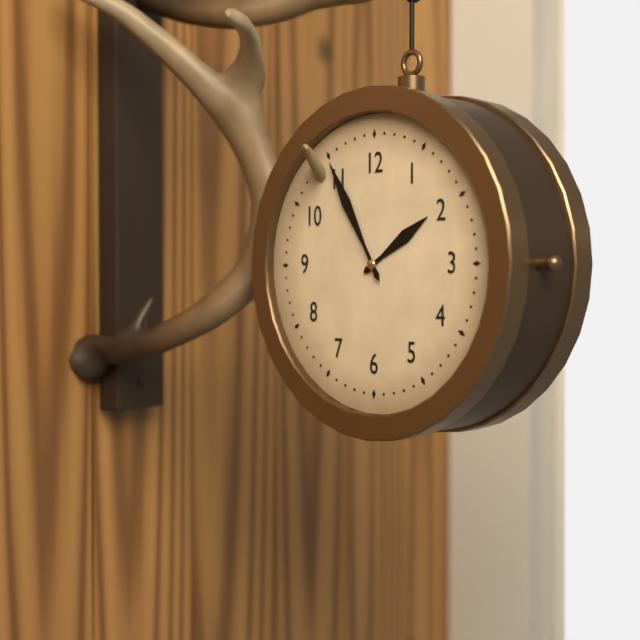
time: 1:55
